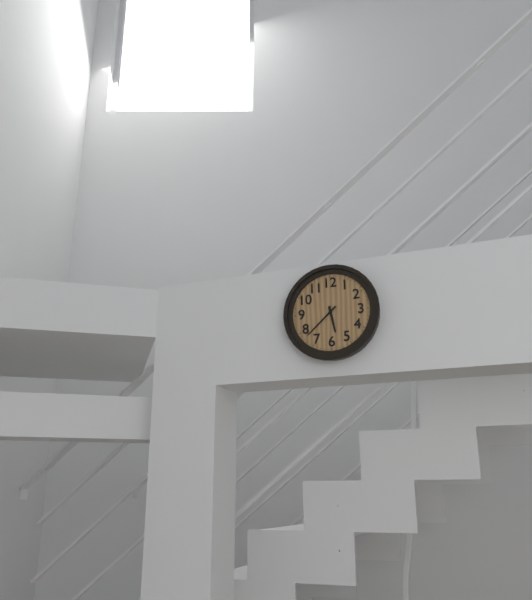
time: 5:38
